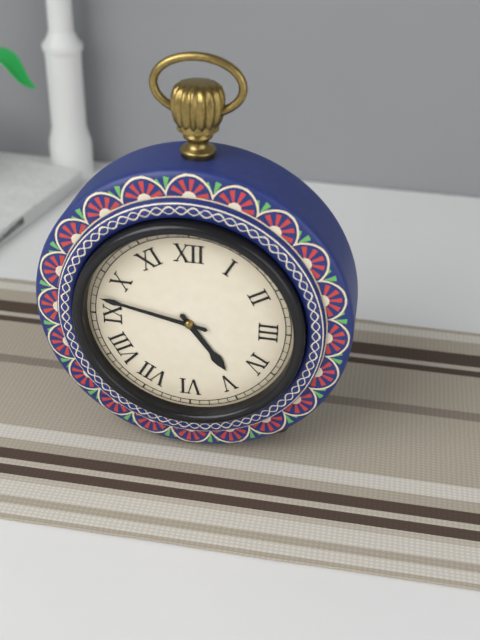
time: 4:47
